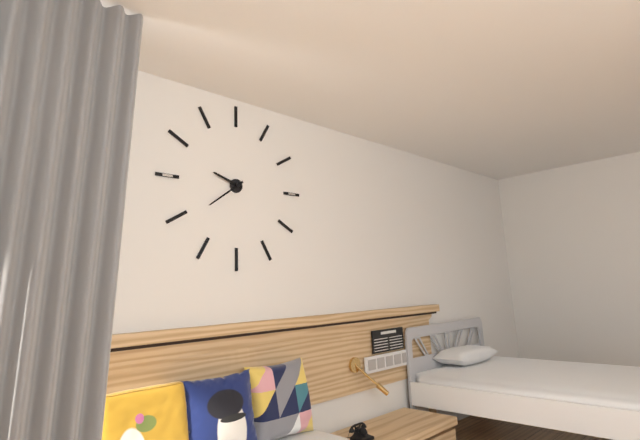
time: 9:39
